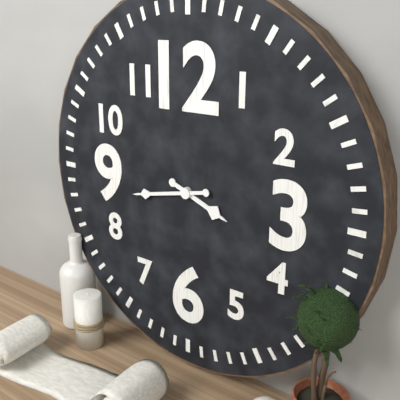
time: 3:43
